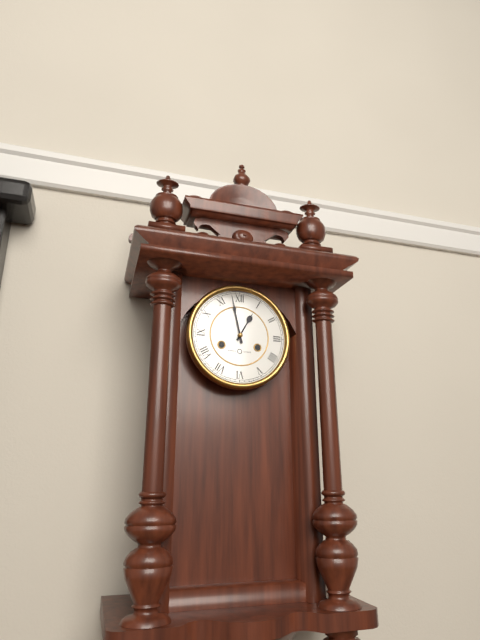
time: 12:58
